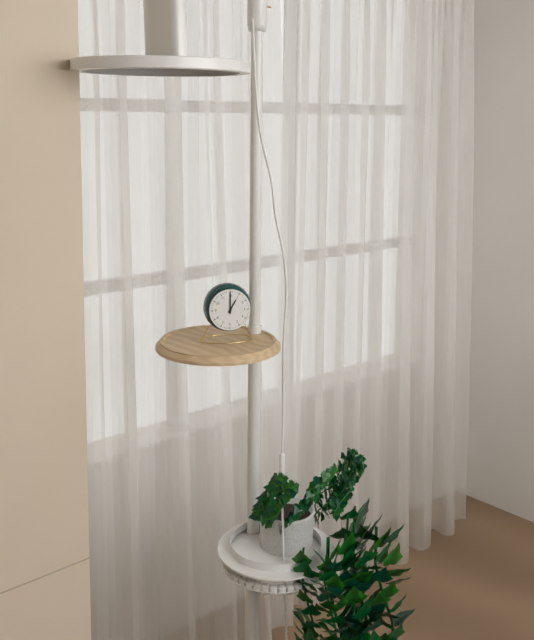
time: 1:00
